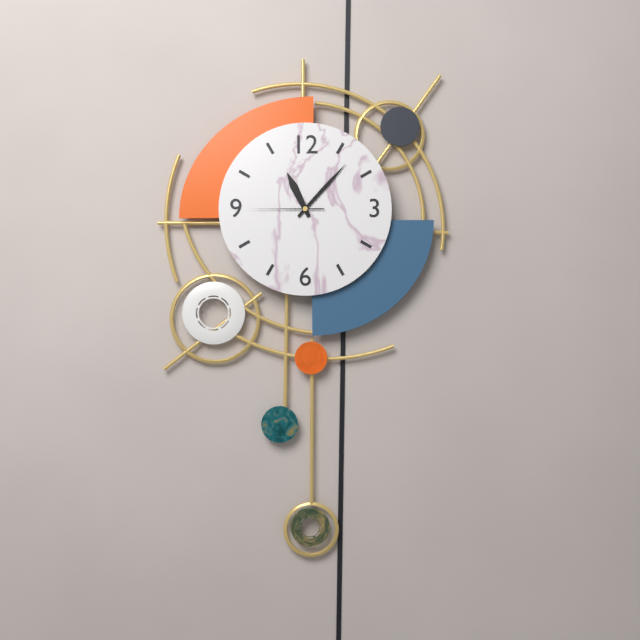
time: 11:07:45
